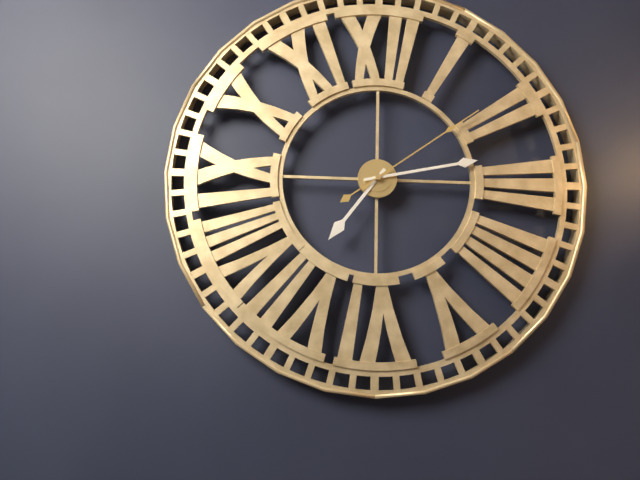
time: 7:13:09
